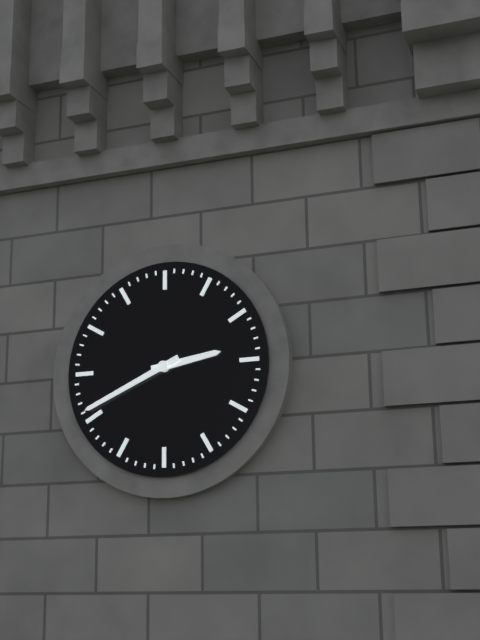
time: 2:41
